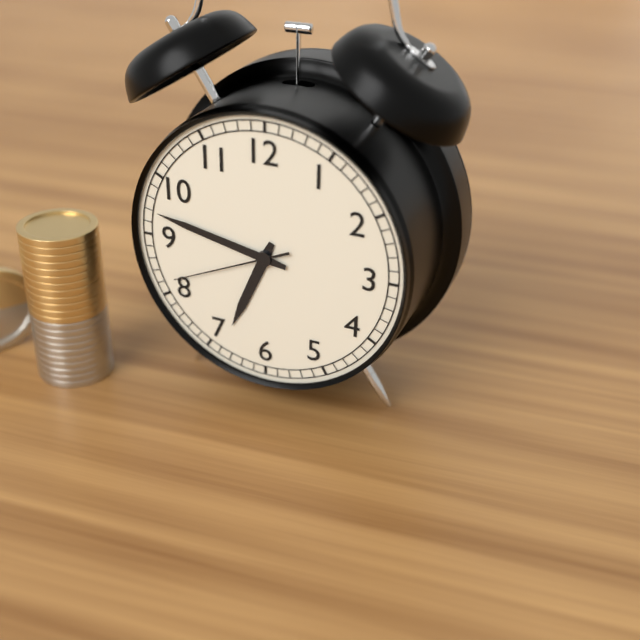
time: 6:47:41
